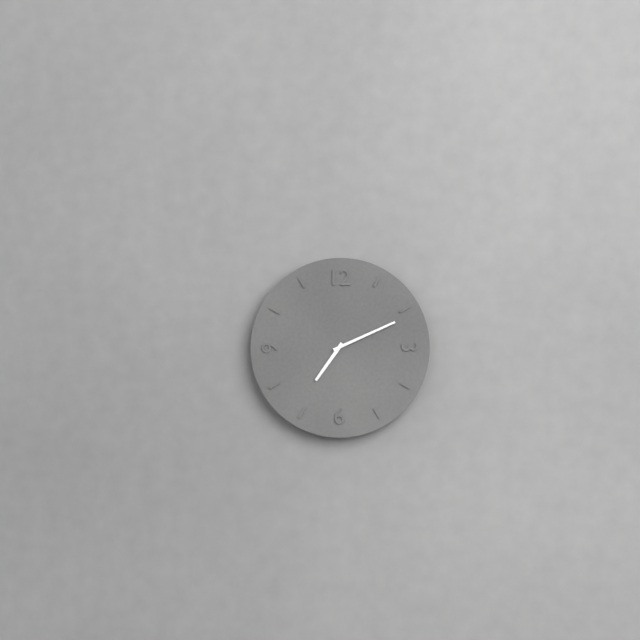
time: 7:11
